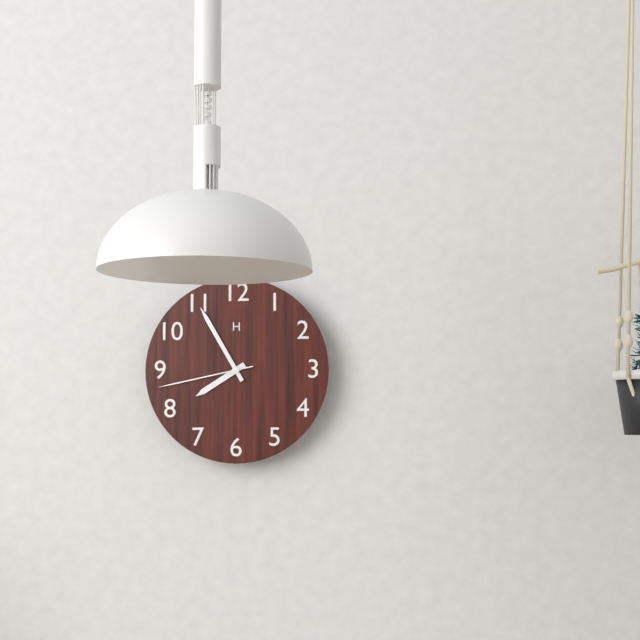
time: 7:55:43
